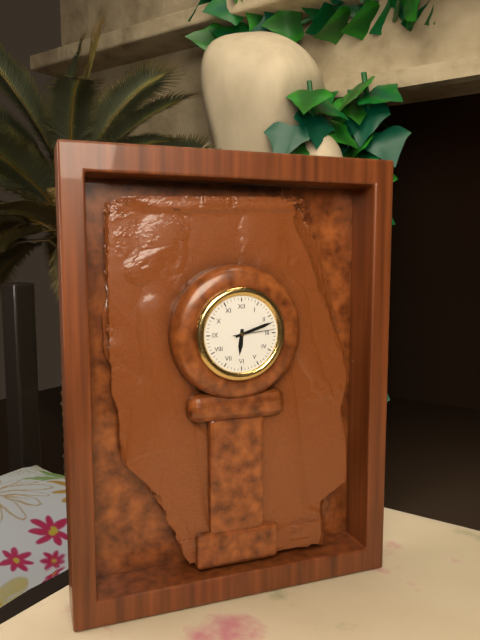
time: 6:12
